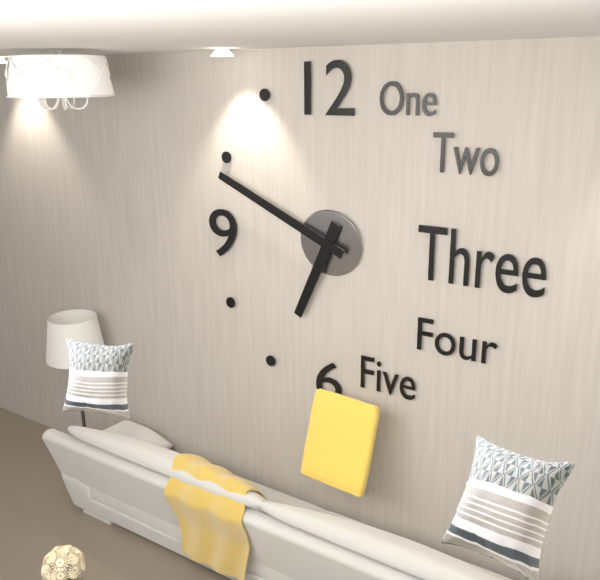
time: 6:49
